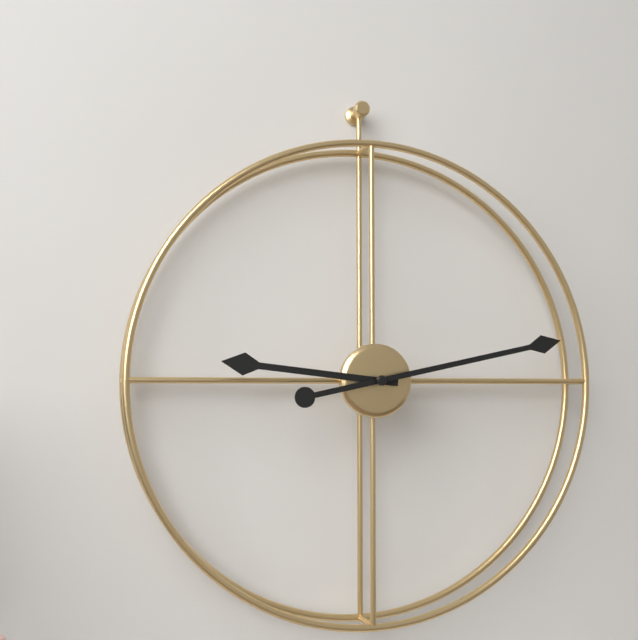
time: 9:13
